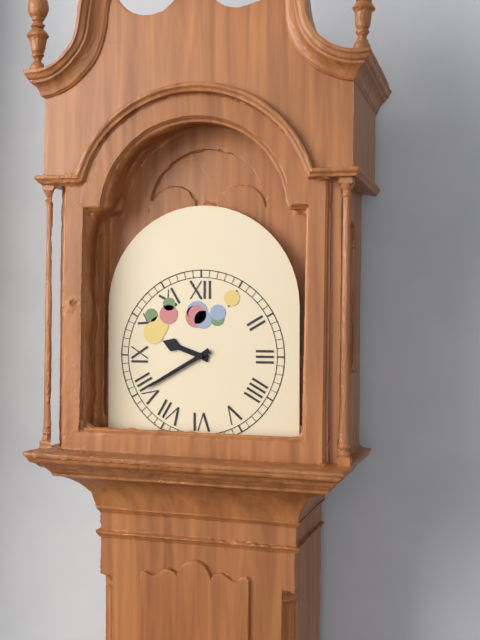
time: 9:40
